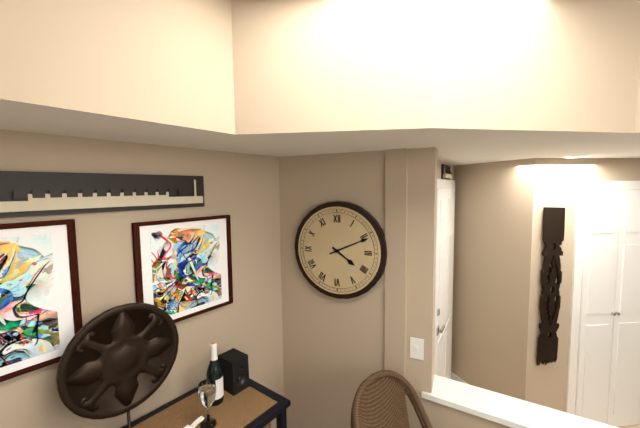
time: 4:11
